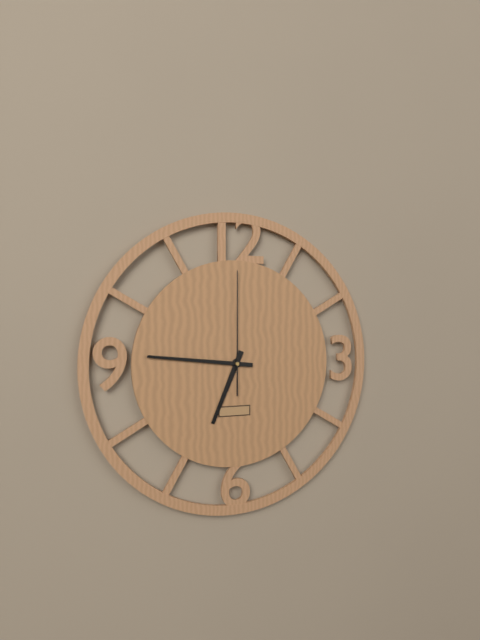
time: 6:46:00
